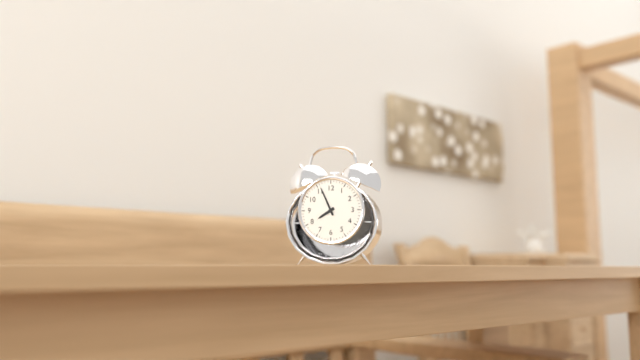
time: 7:56
